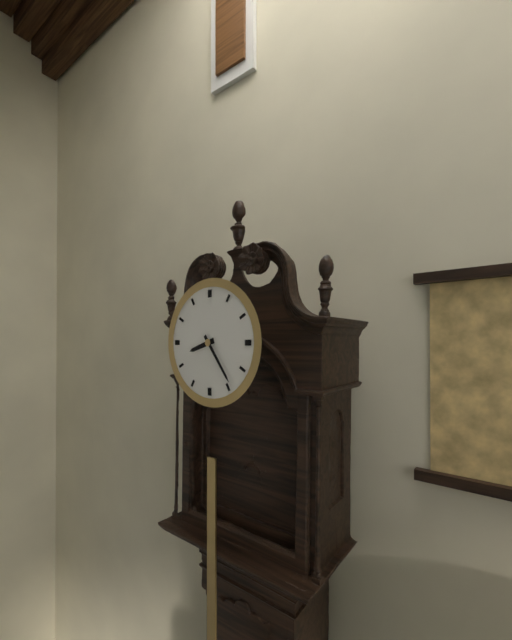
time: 8:24
